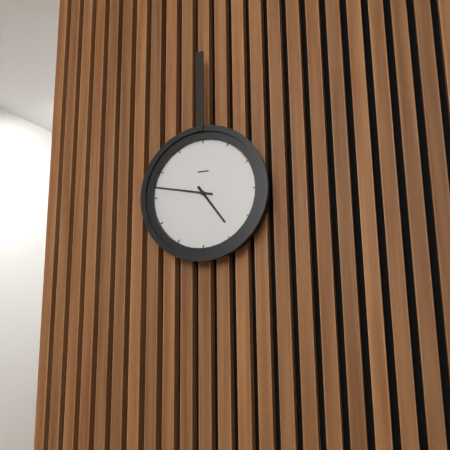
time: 4:47
